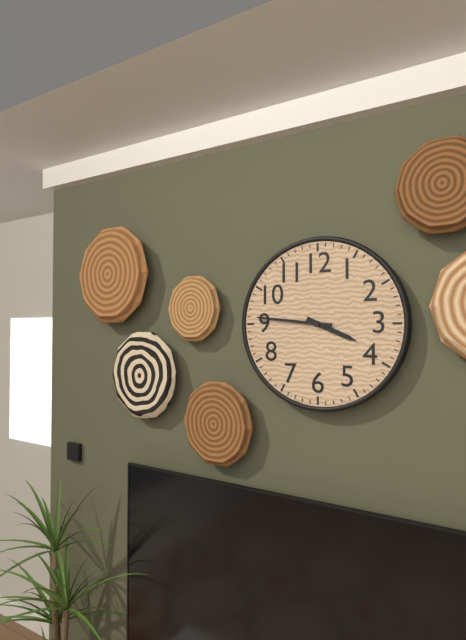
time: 3:46
